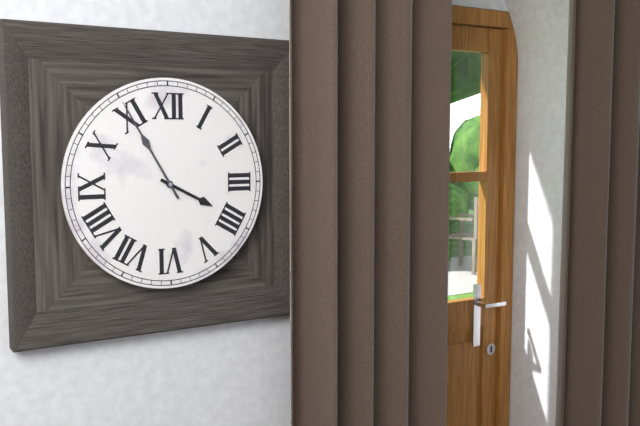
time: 3:55
